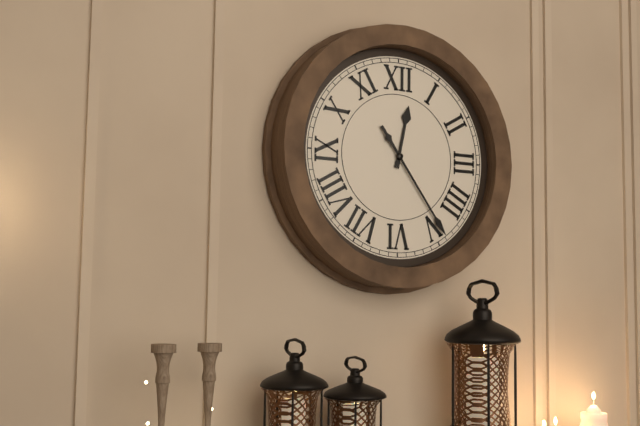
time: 12:24
